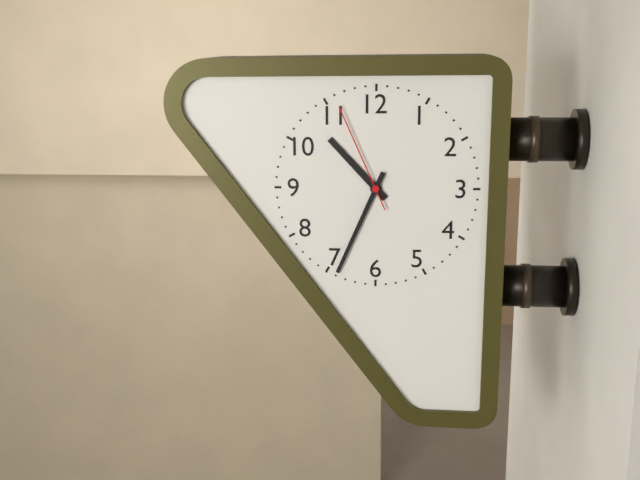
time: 10:34:56
